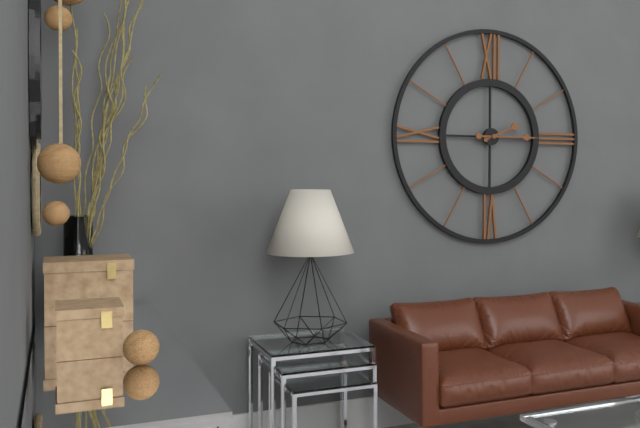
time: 2:15
